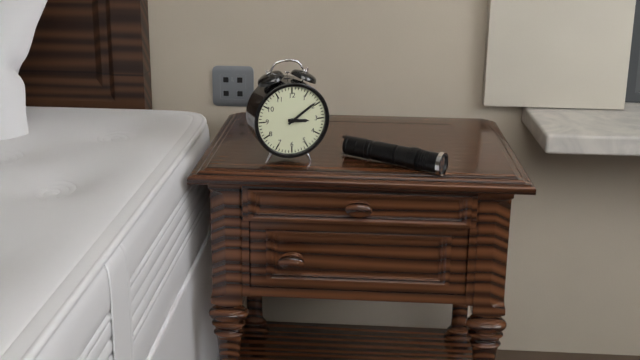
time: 3:09
